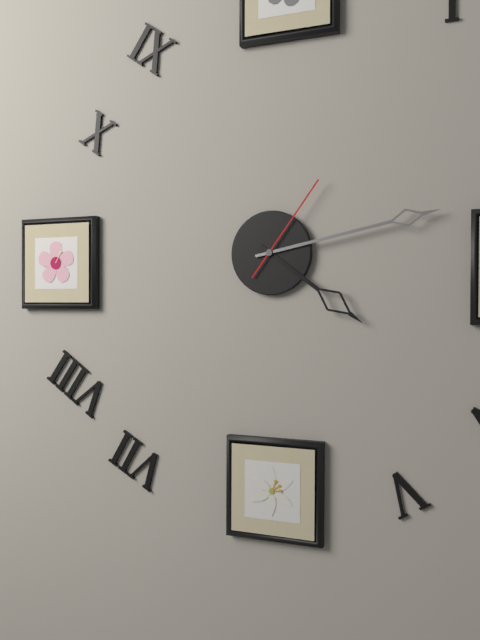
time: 4:13:06
